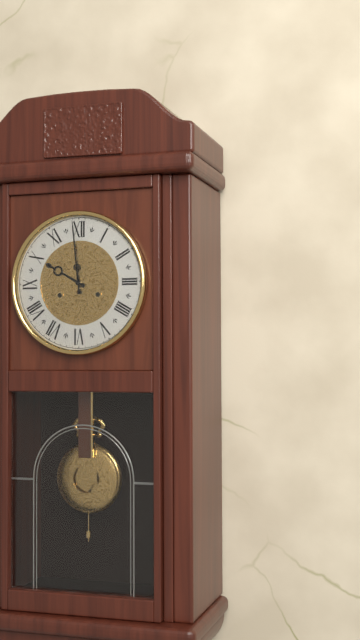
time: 9:59
